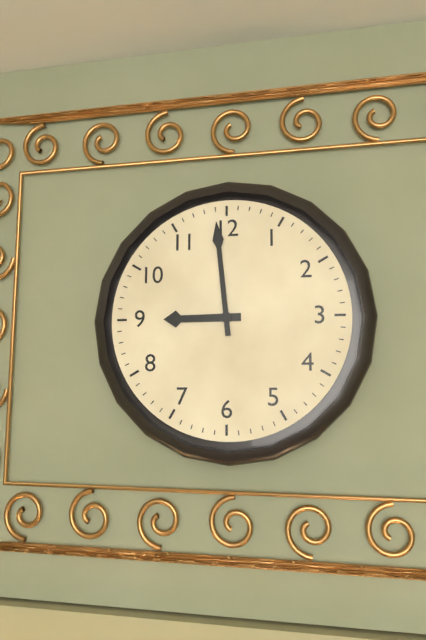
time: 8:59
